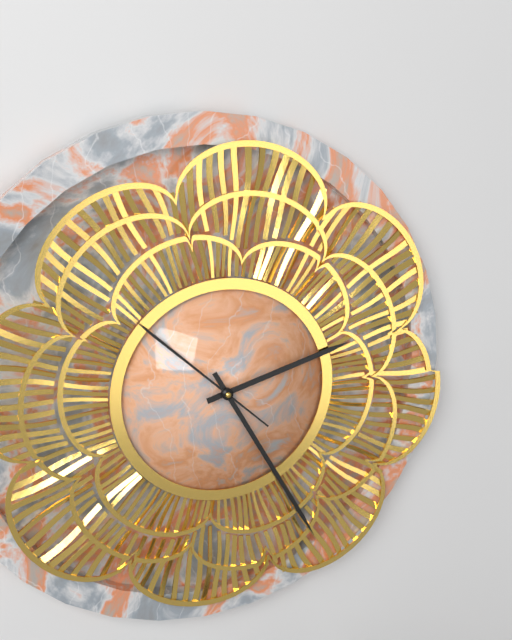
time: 2:25:52
